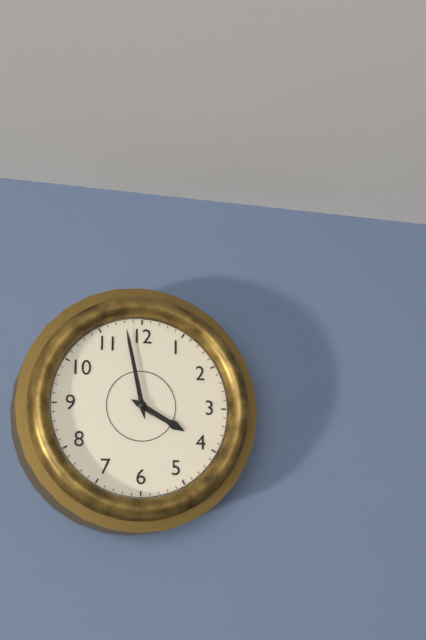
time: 3:58
